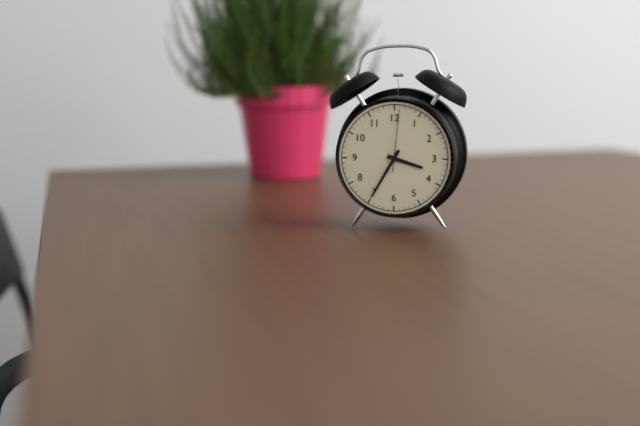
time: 3:35:01
